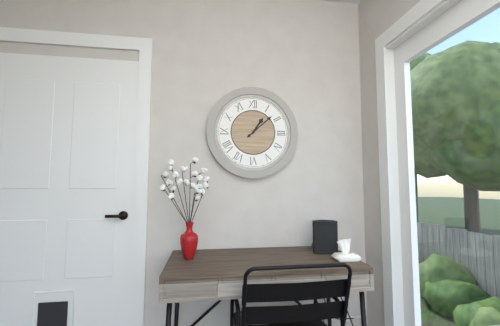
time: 1:08
